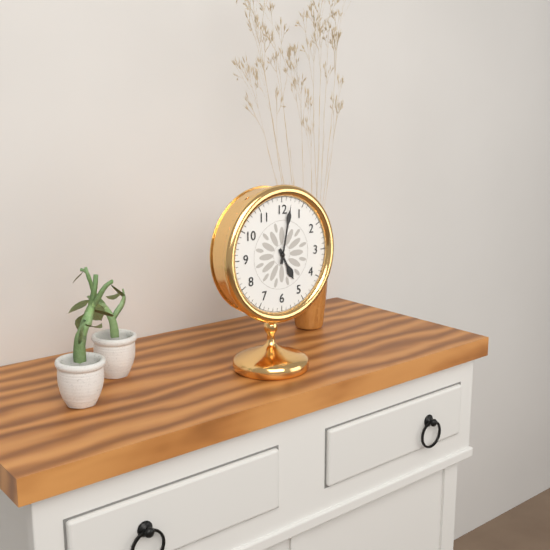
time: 5:02
